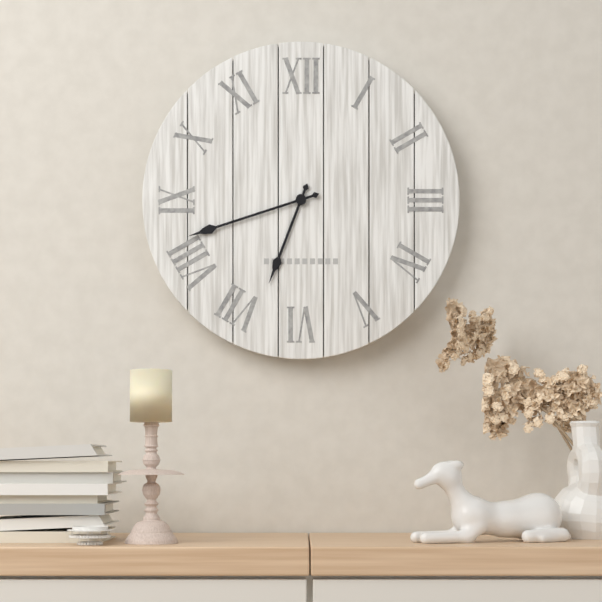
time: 6:42
